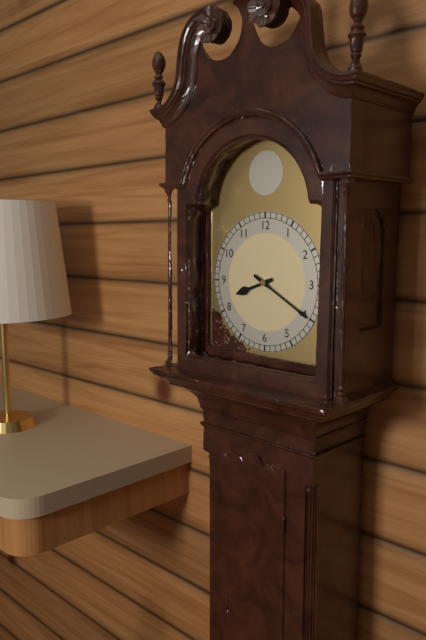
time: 8:20
